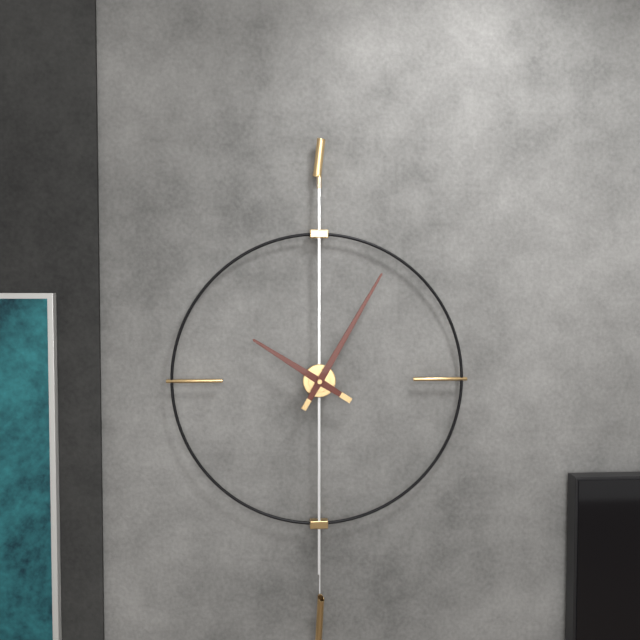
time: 10:05
